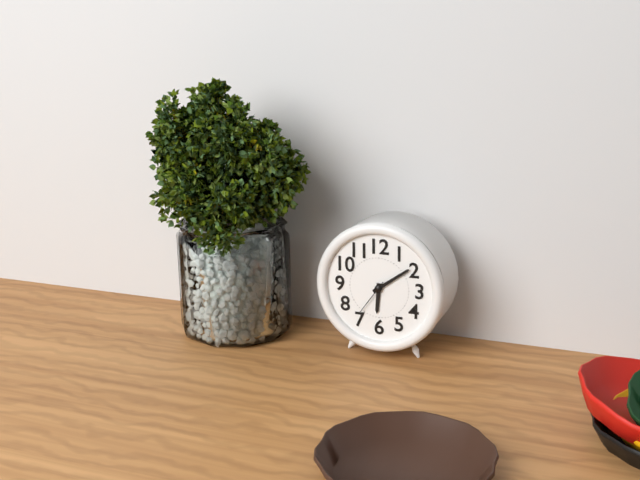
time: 6:09
